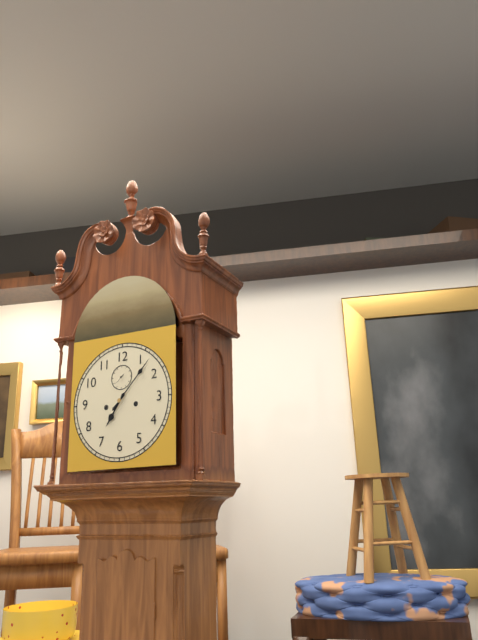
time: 7:07
